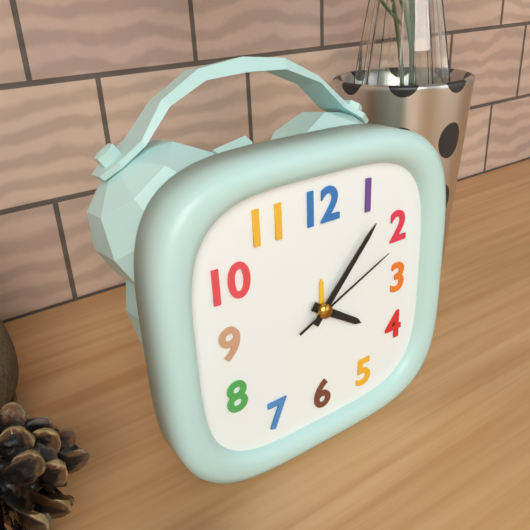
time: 4:07:11
